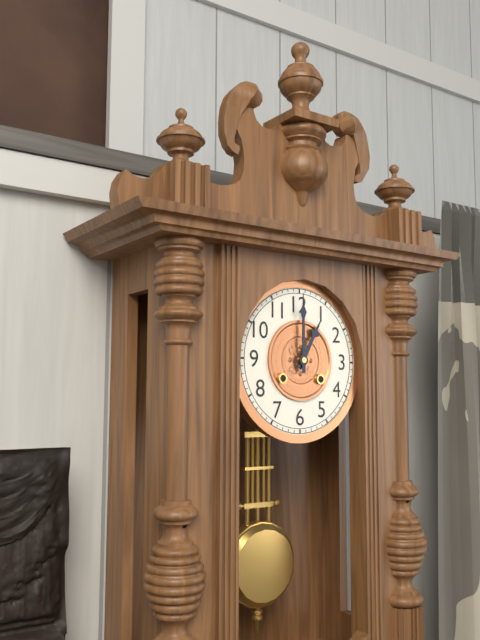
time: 1:00
